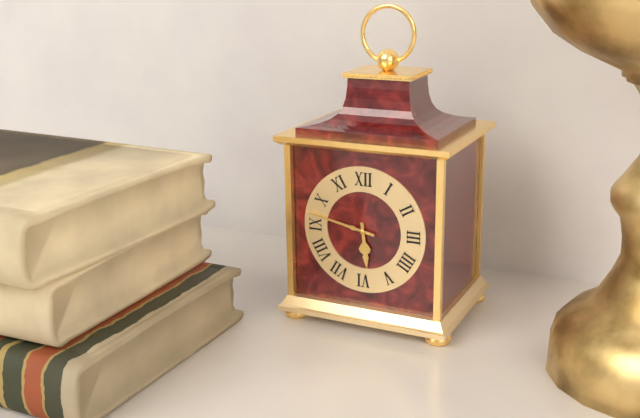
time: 5:47
